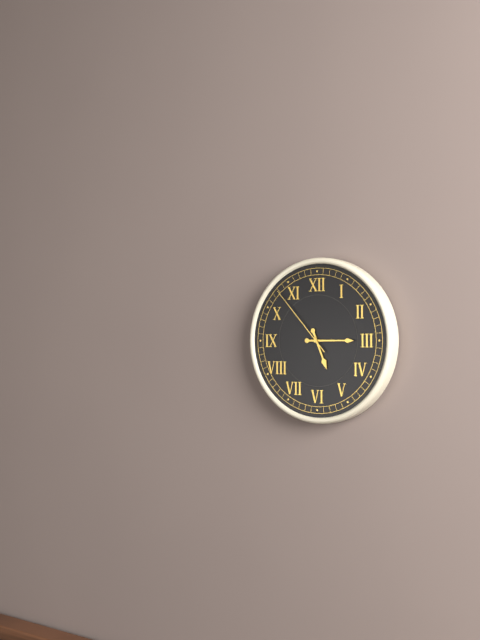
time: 5:15:53
